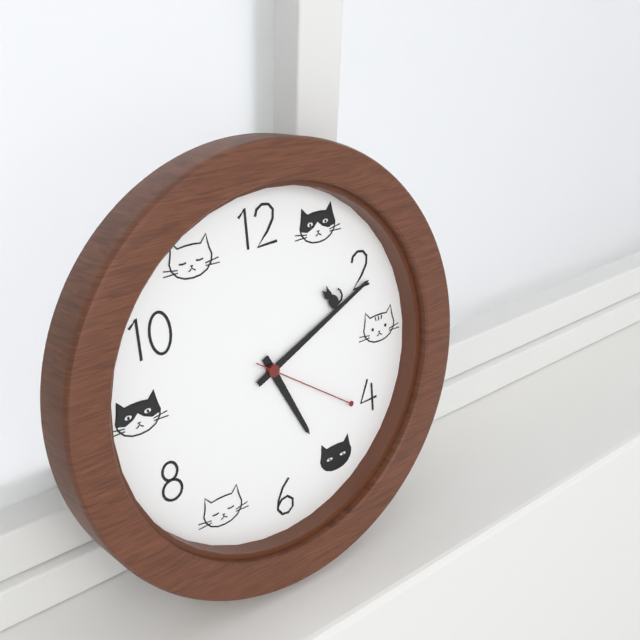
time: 5:11:21
